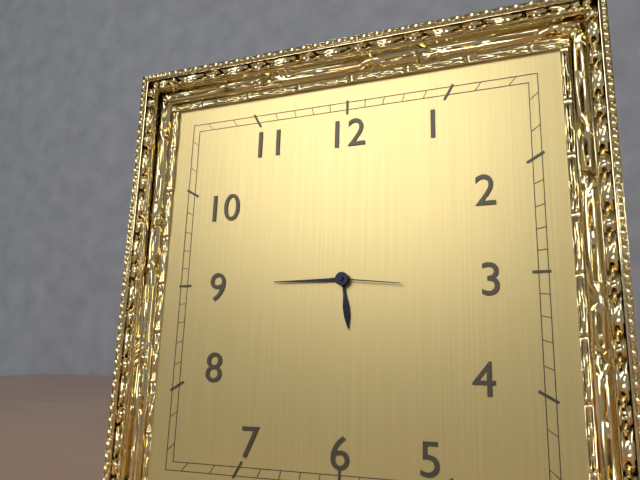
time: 5:45:16
